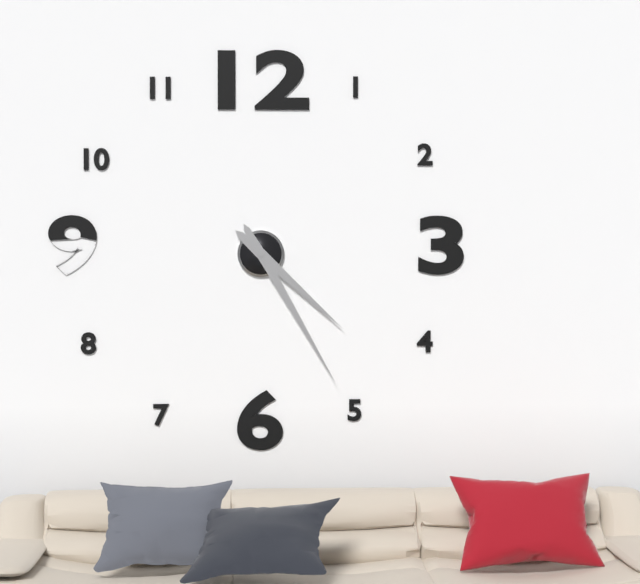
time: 4:25
